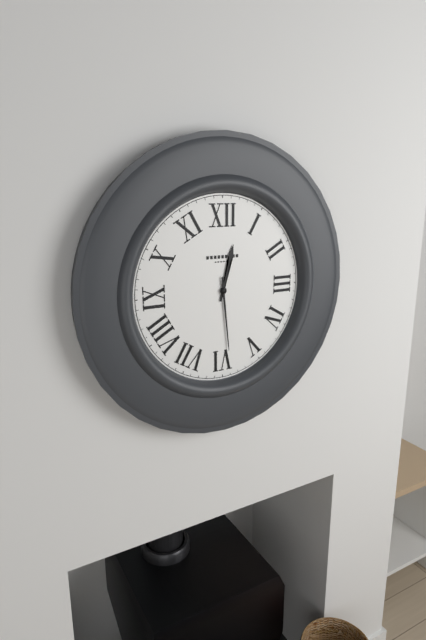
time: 12:29
